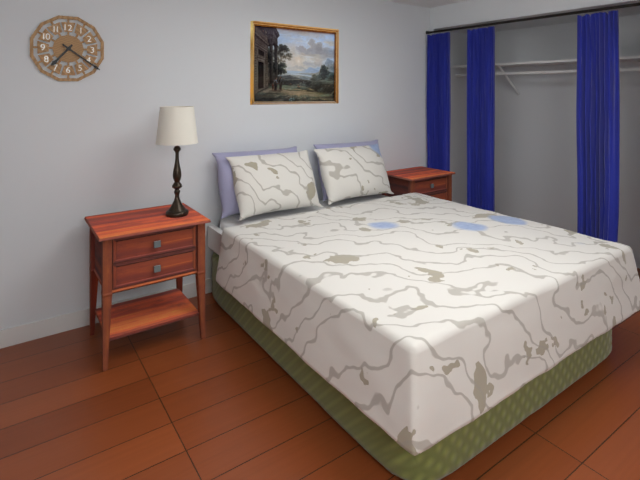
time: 7:21
